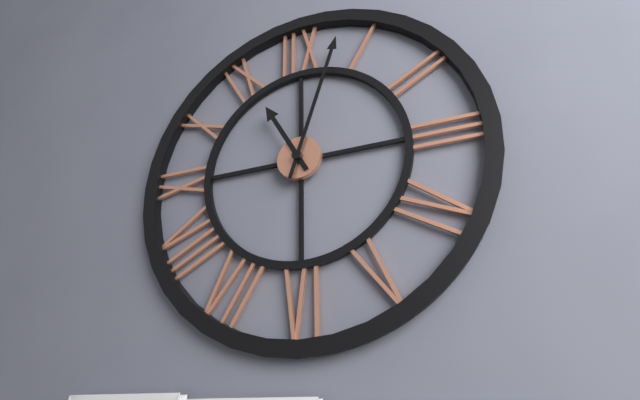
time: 11:03
